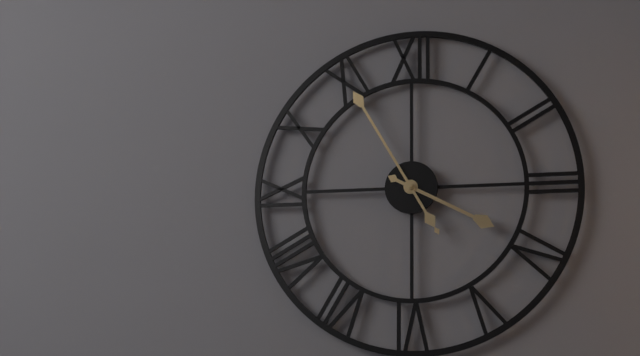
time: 3:55
